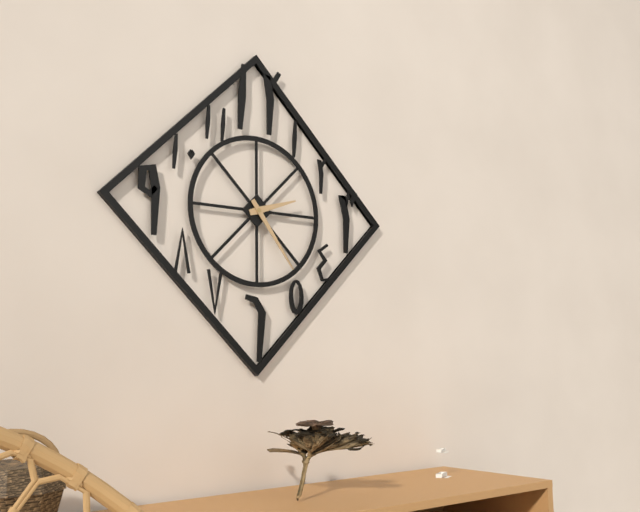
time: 2:24
